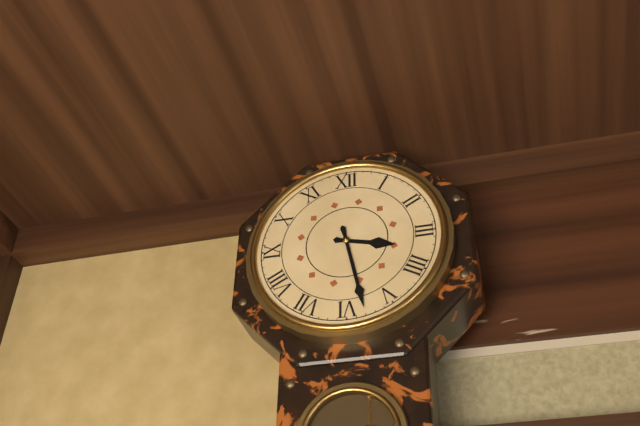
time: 3:28
